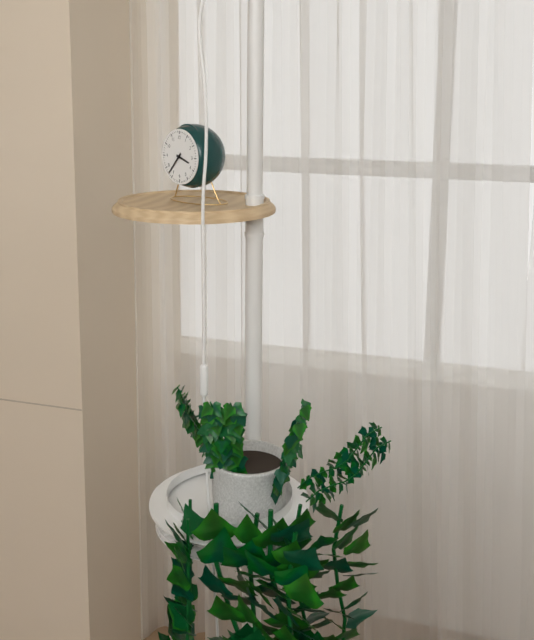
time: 3:37
